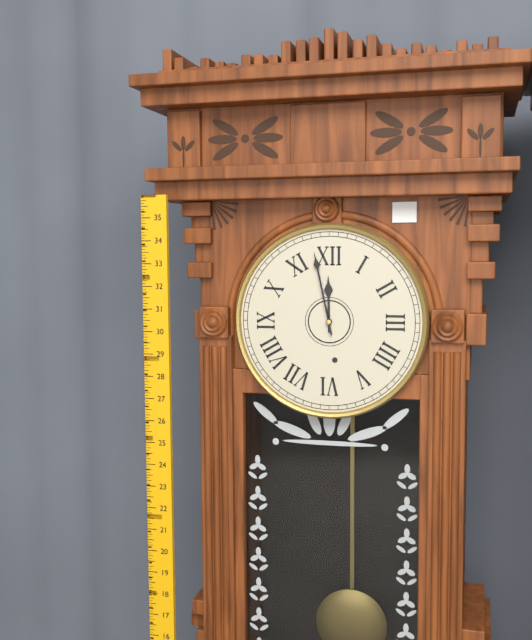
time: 11:58
